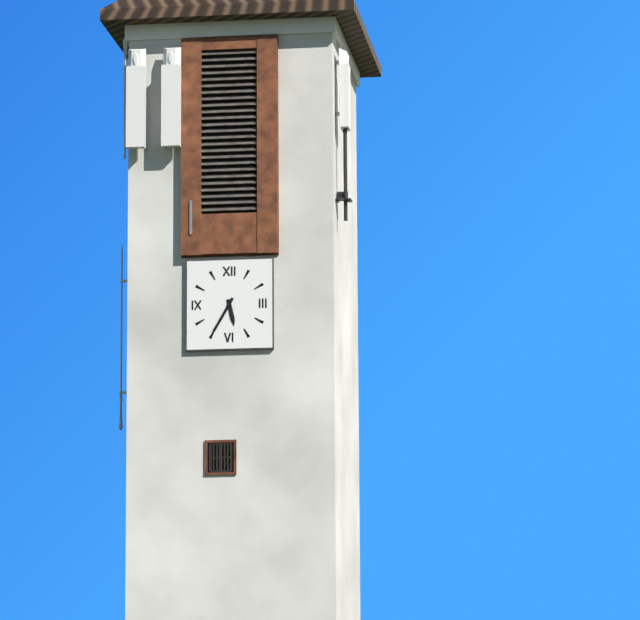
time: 5:35
